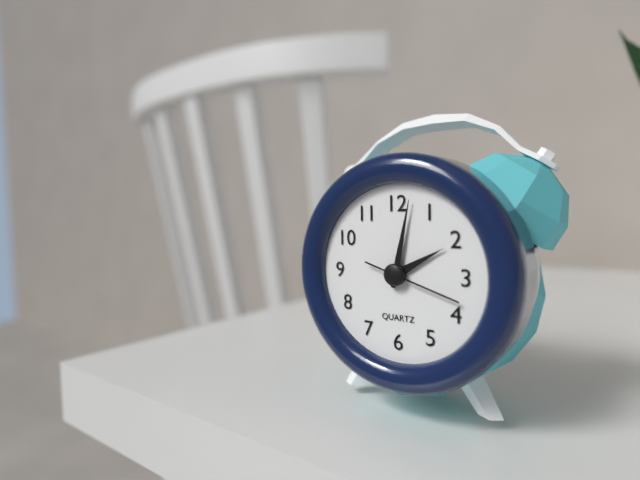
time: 2:02:18
